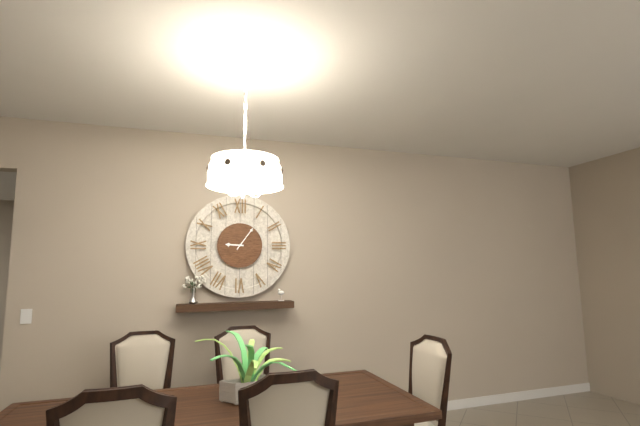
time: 9:06
